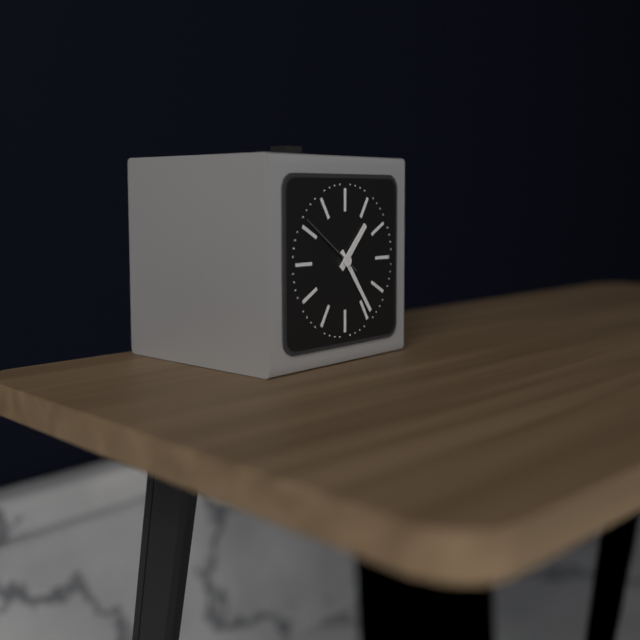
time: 1:24:51
